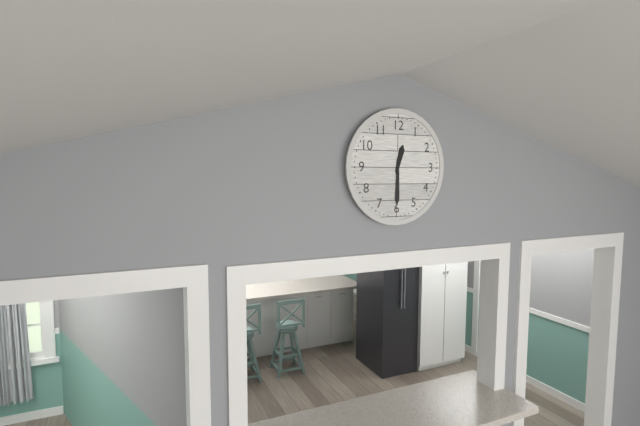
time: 12:30
